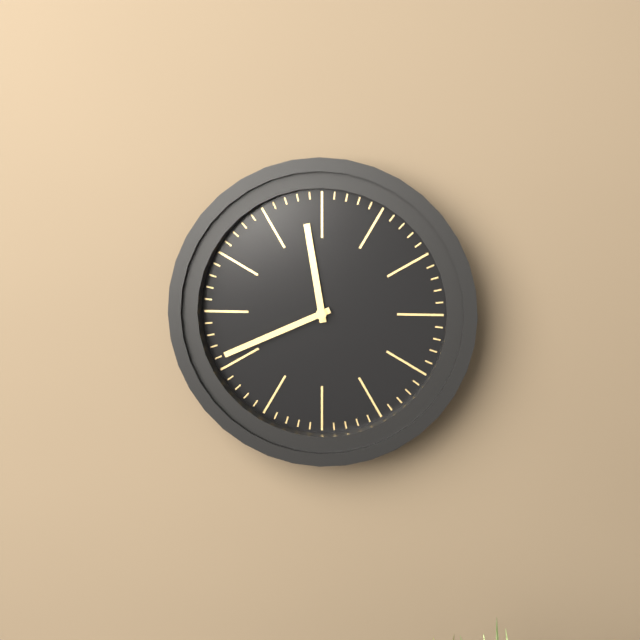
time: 11:41
